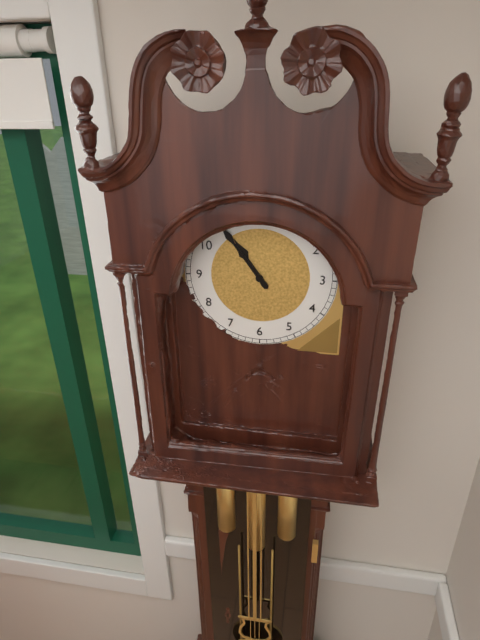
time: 10:54
